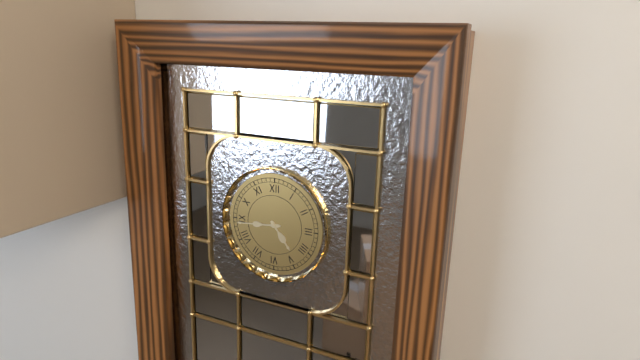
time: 4:44
